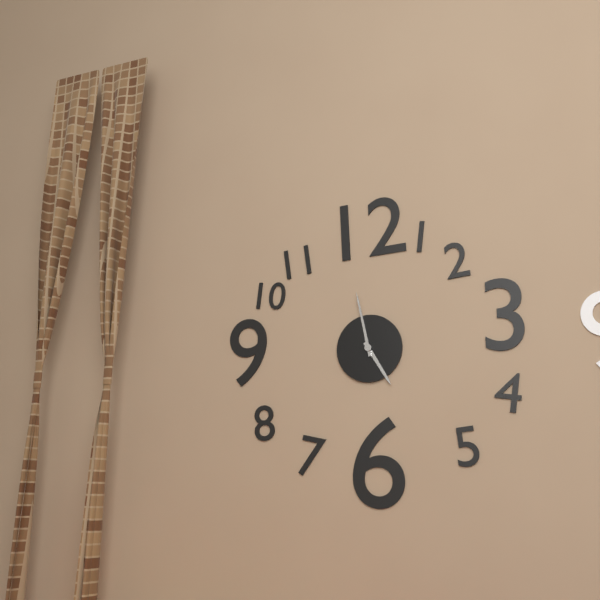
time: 4:58
